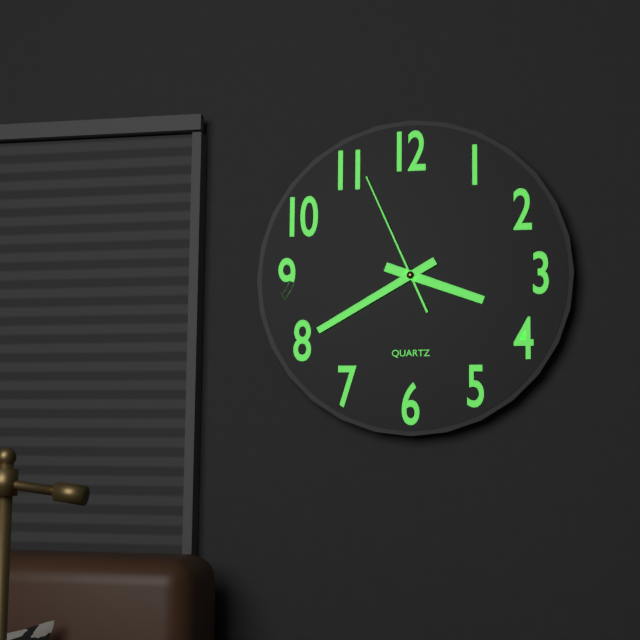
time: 3:40:56
